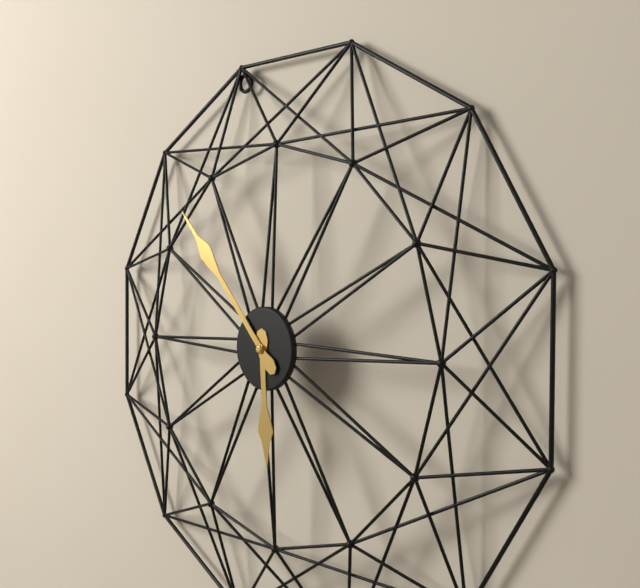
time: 5:53
